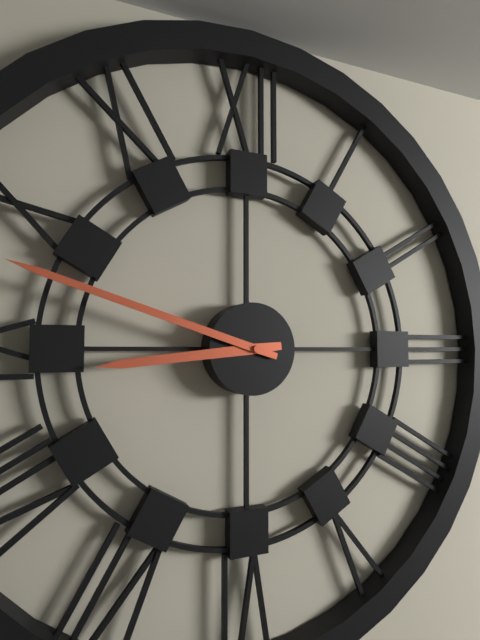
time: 8:48
